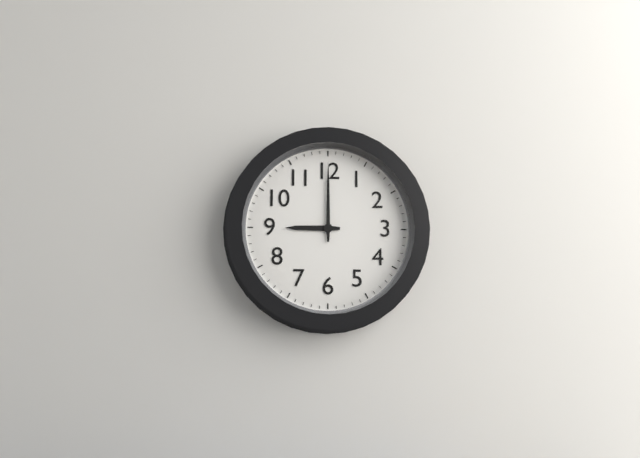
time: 9:00
